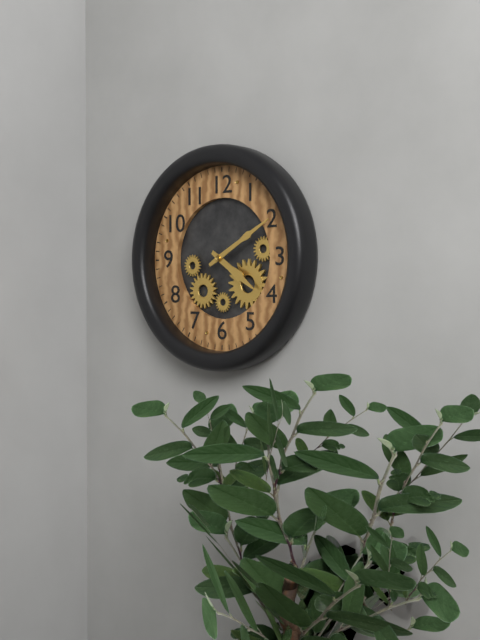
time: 4:10
